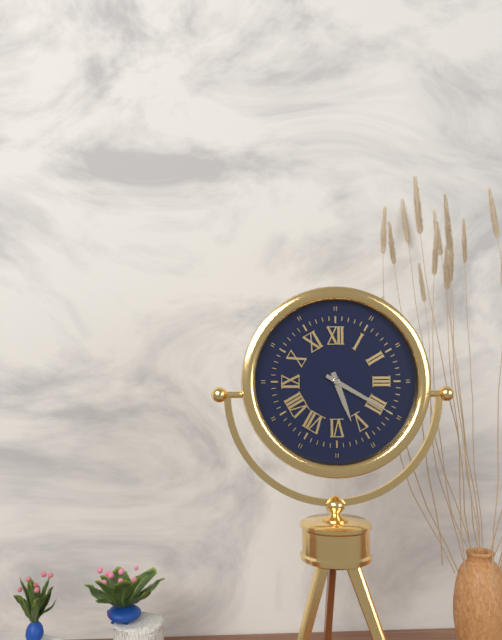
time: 5:20
